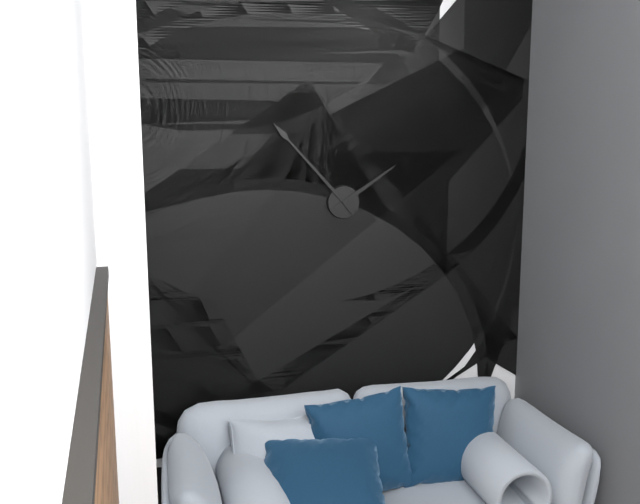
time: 1:53
